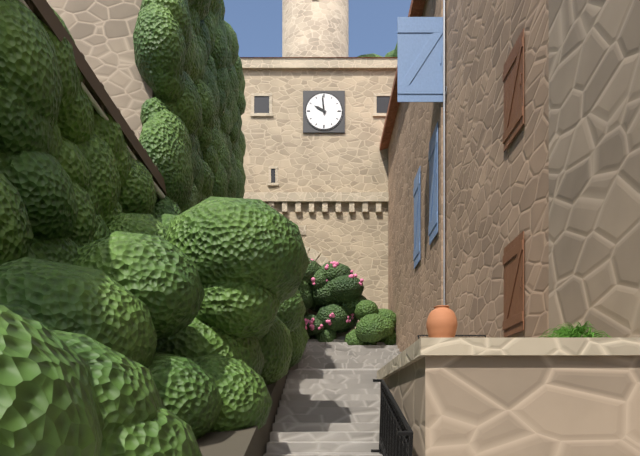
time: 9:59
